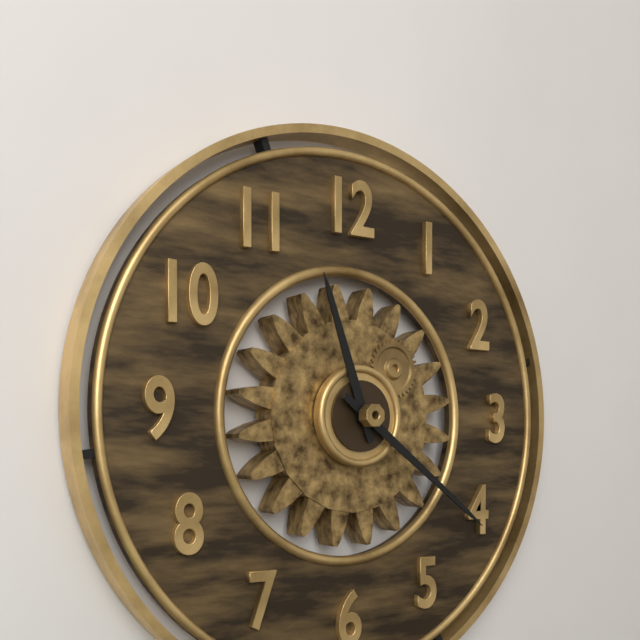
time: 11:21
